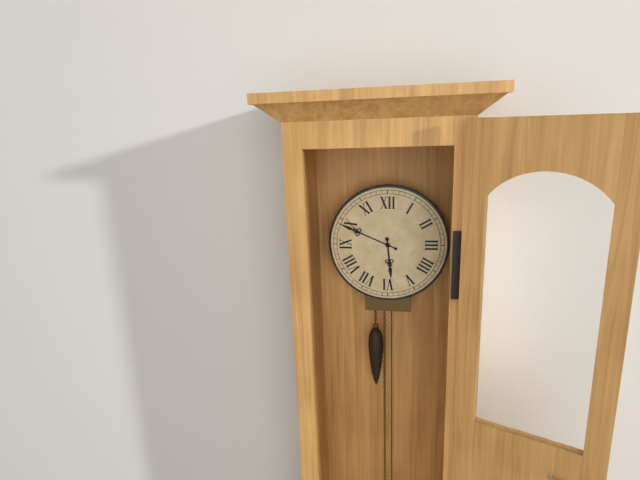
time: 5:49
